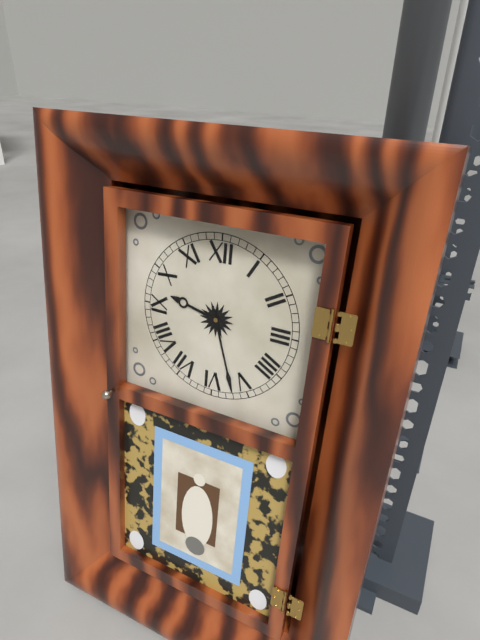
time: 9:27
